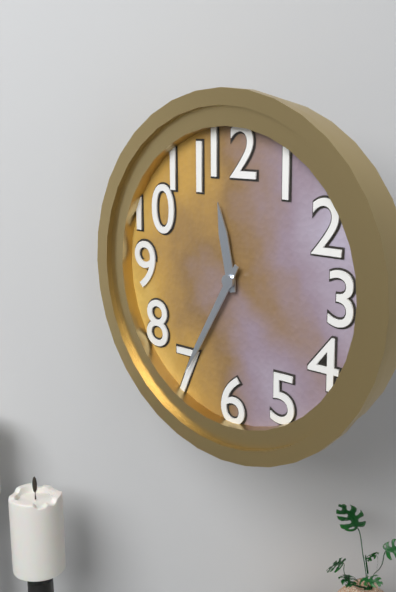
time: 11:35
